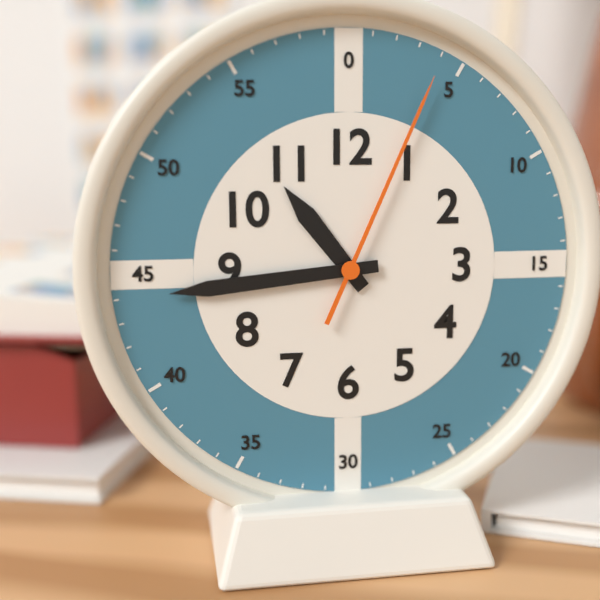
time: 10:44:04
